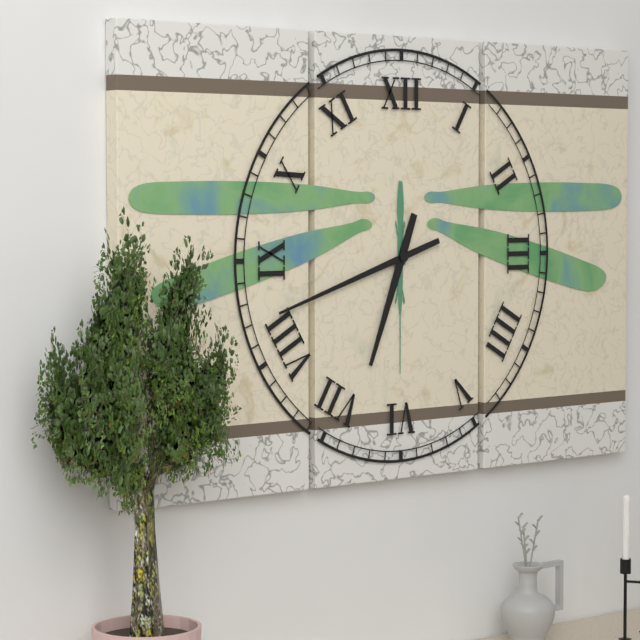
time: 6:42
